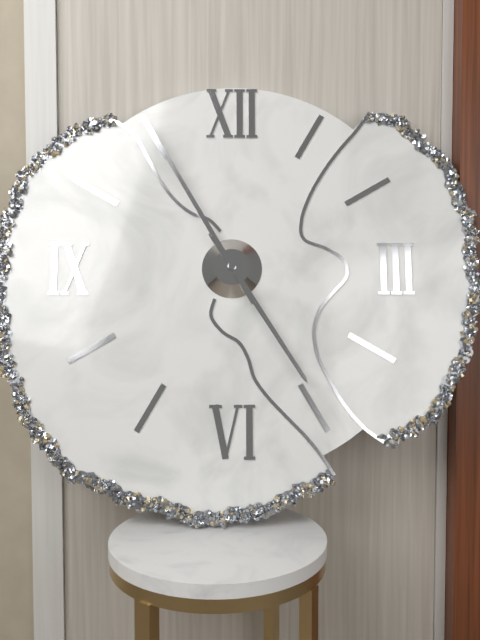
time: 4:55
